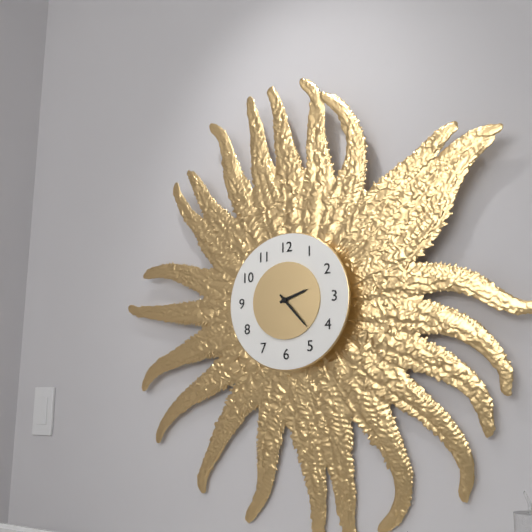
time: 2:23
